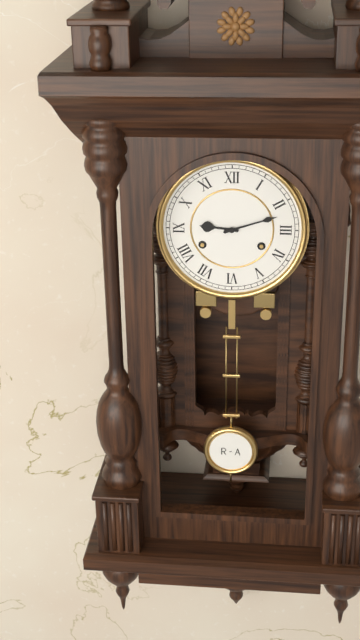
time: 9:12
